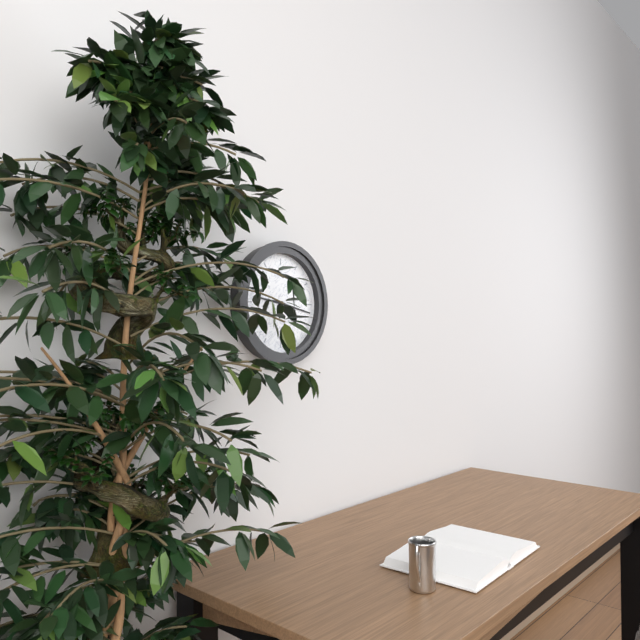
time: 9:17
